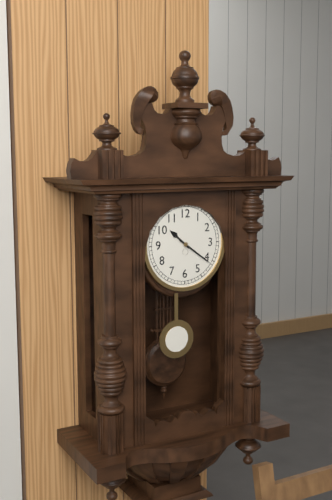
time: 10:21
